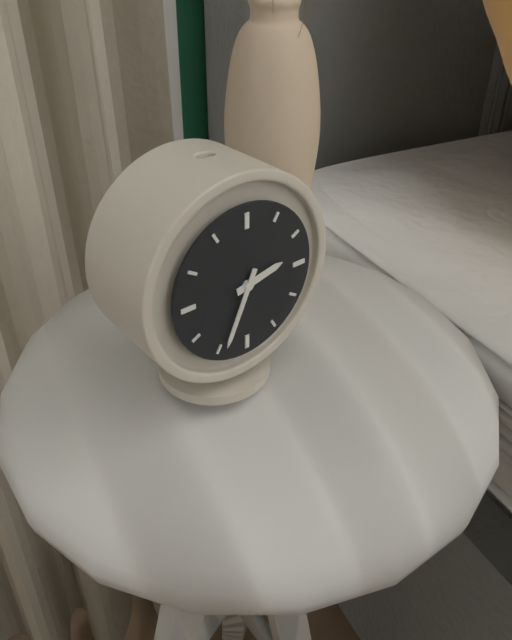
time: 2:34
